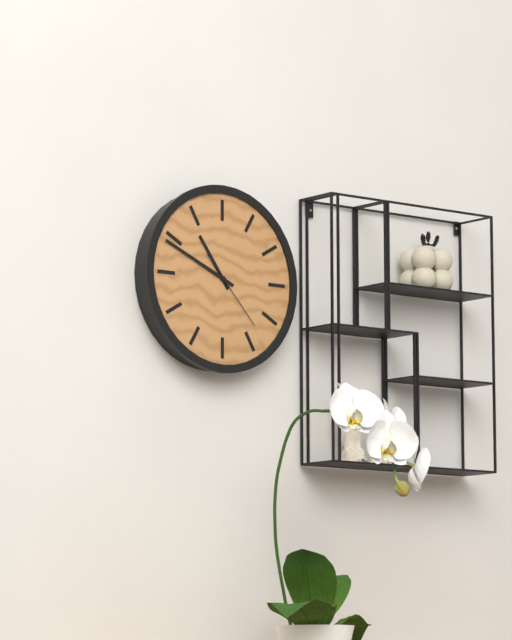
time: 10:49:23
